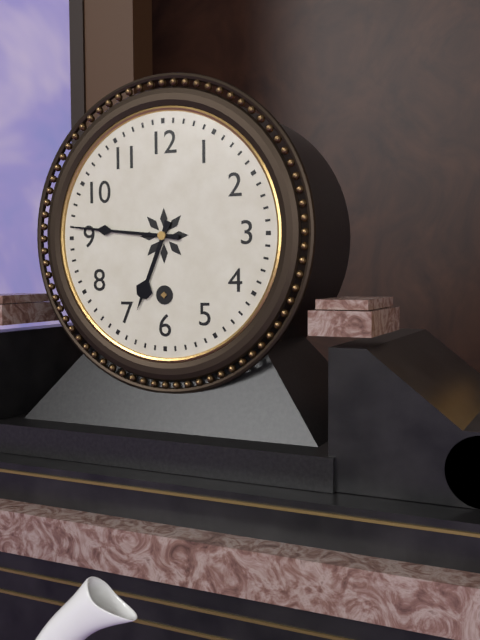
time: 6:46
